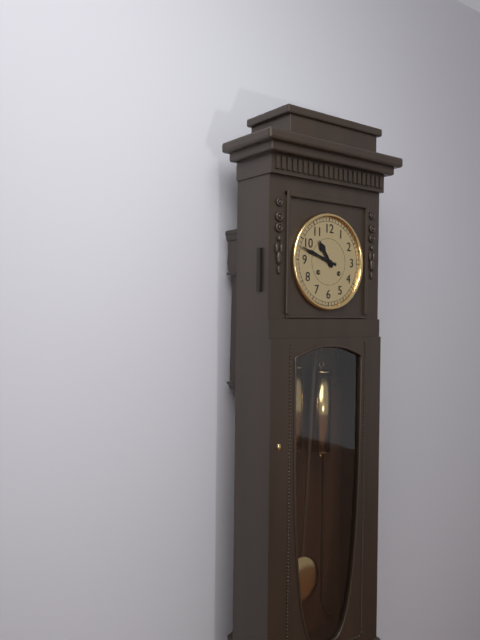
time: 10:48
